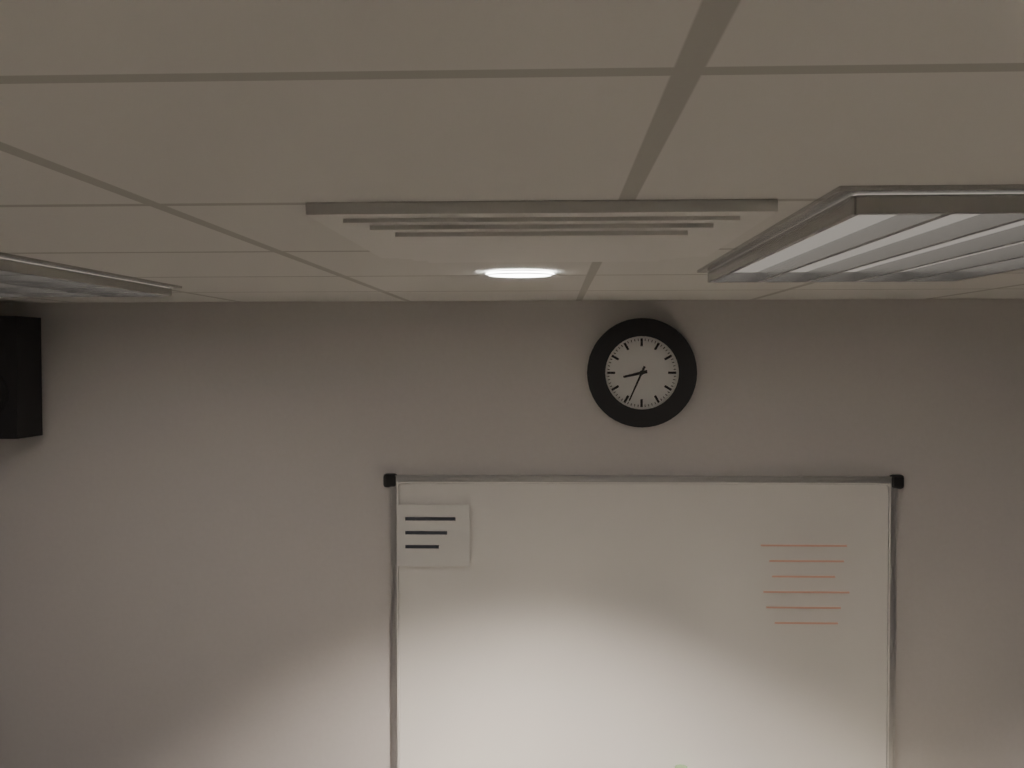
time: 8:34
